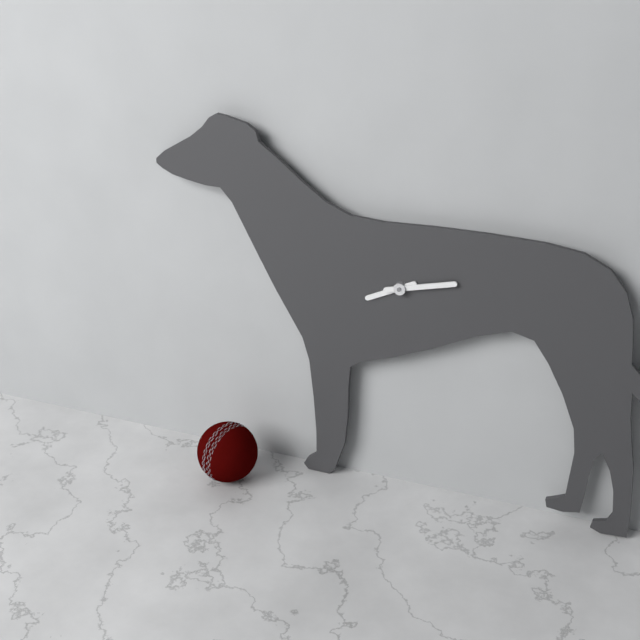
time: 8:13
